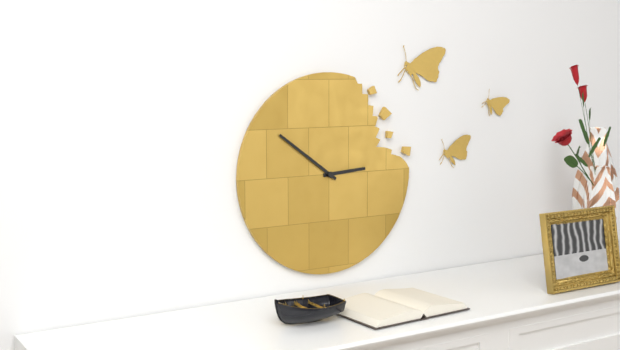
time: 2:51
